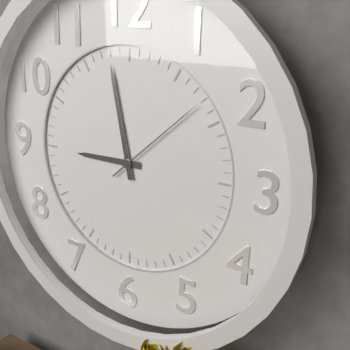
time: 8:58:08
